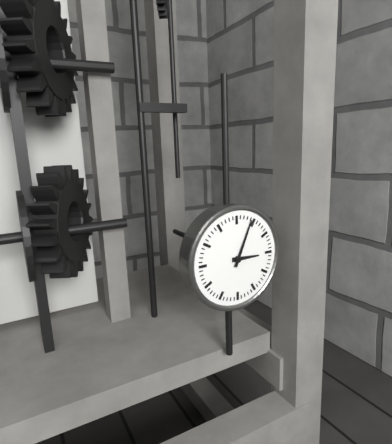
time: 3:04
